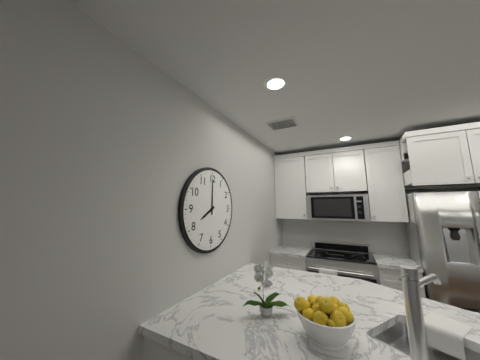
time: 8:00
